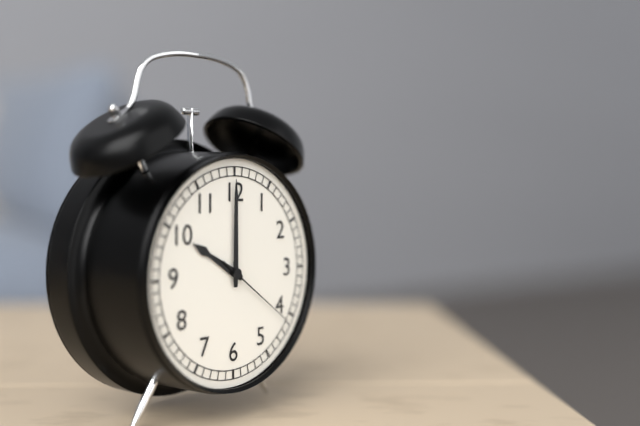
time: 10:00:21
